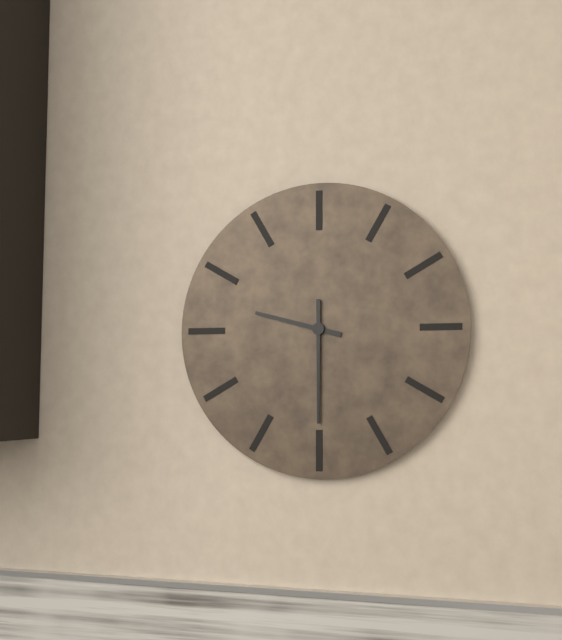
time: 9:30
